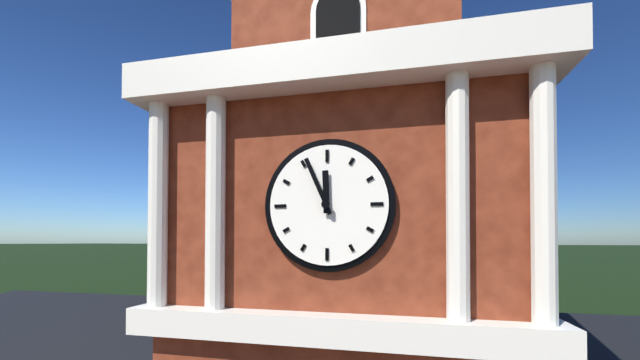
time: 11:56
